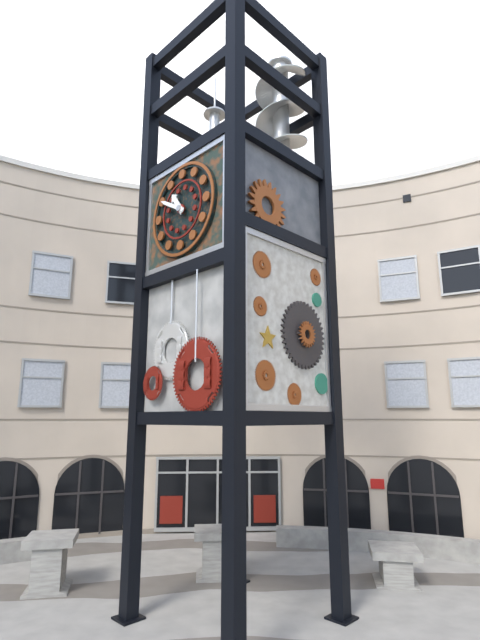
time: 10:50
